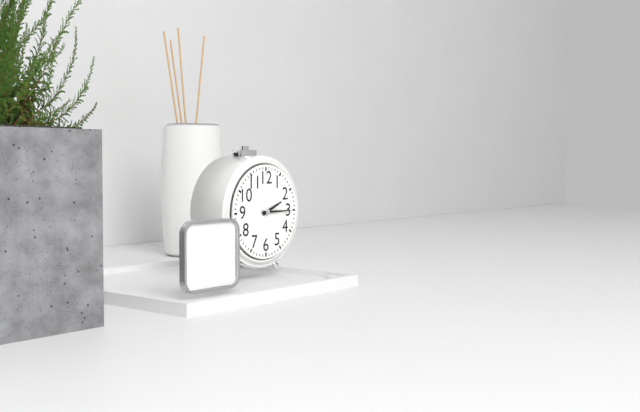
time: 2:15
